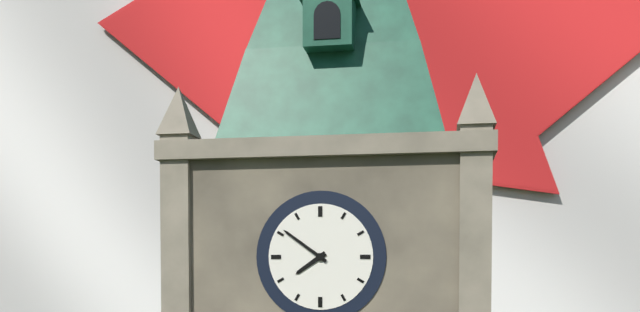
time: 7:51
